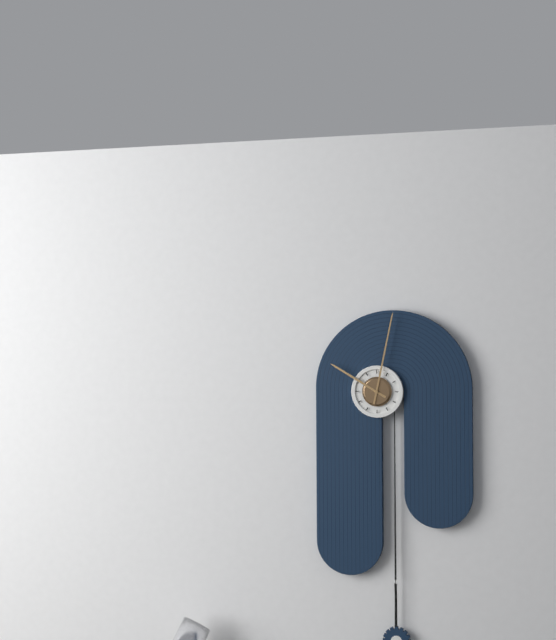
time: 10:02
